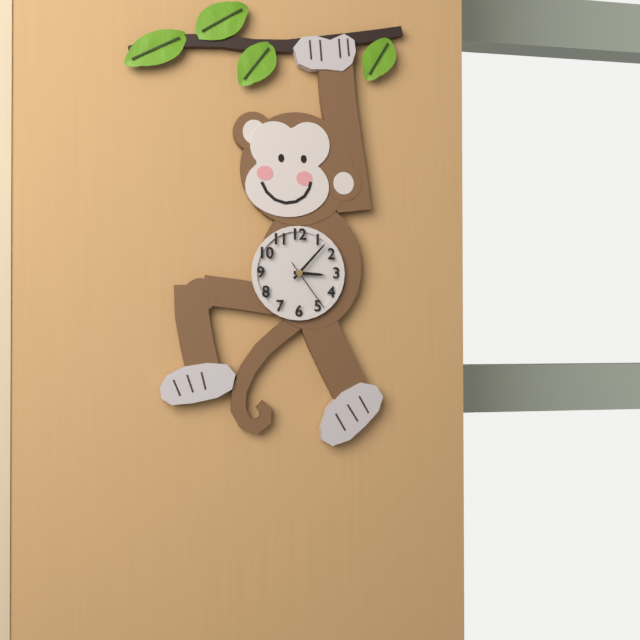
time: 3:07:24
